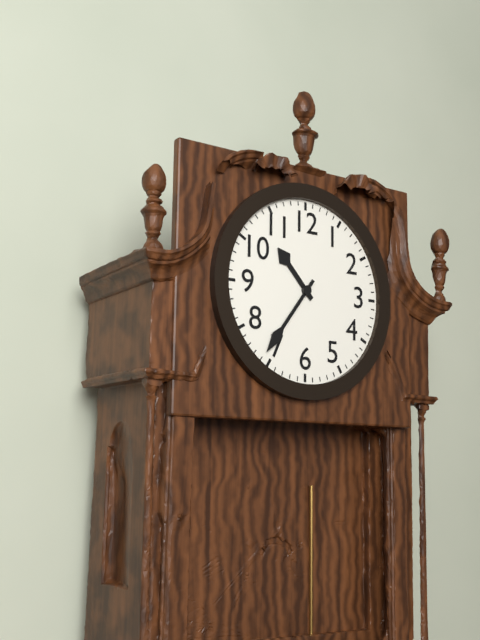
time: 10:36
